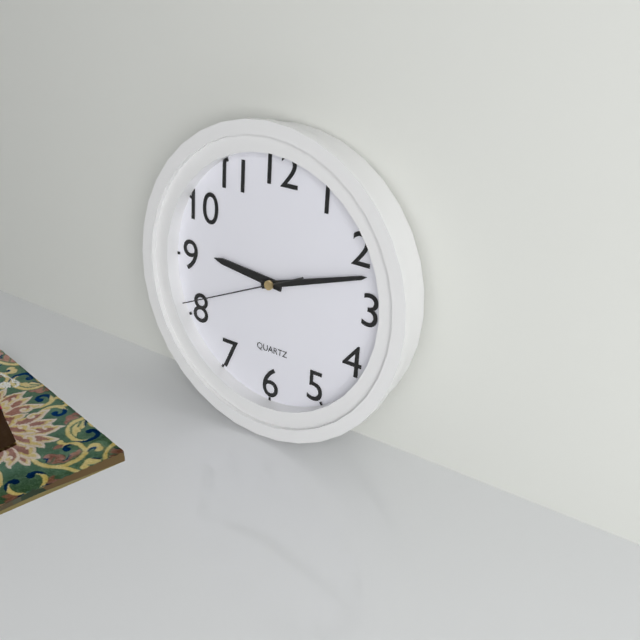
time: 9:12:41
